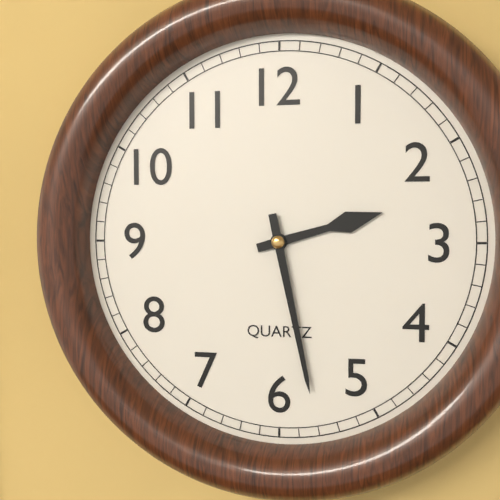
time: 2:28
